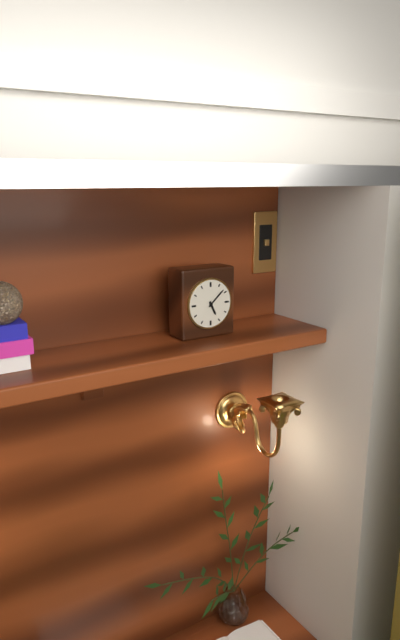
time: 5:08
